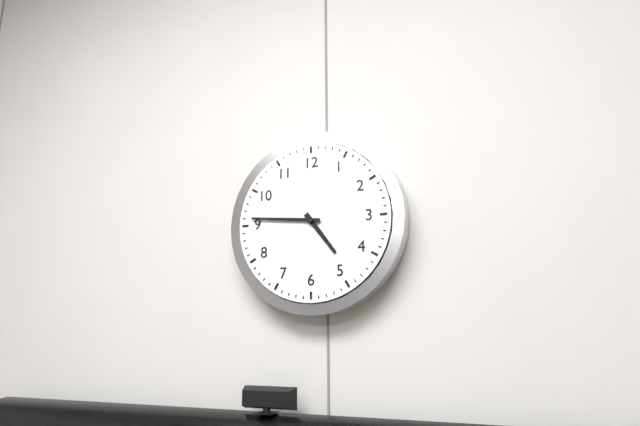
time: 4:46
